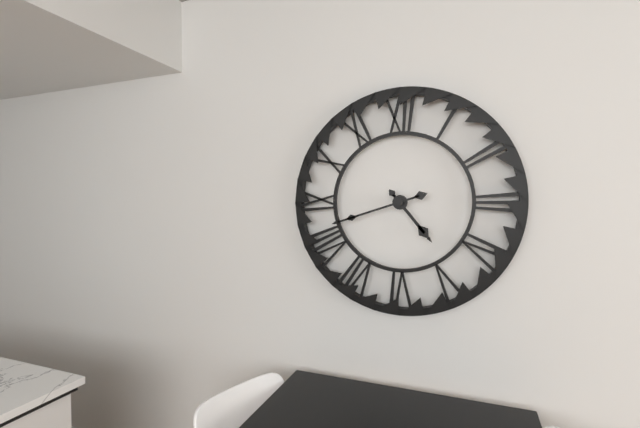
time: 4:42
